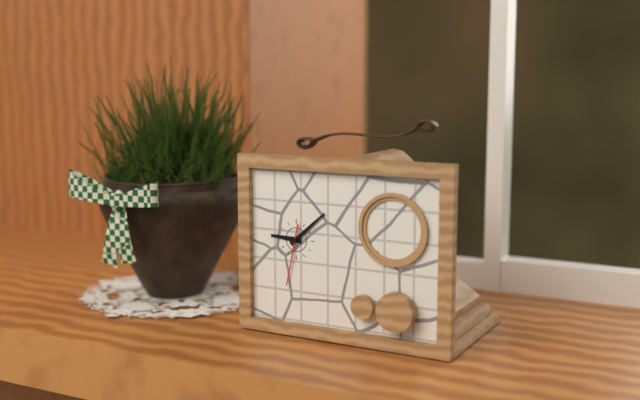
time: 9:08:32
